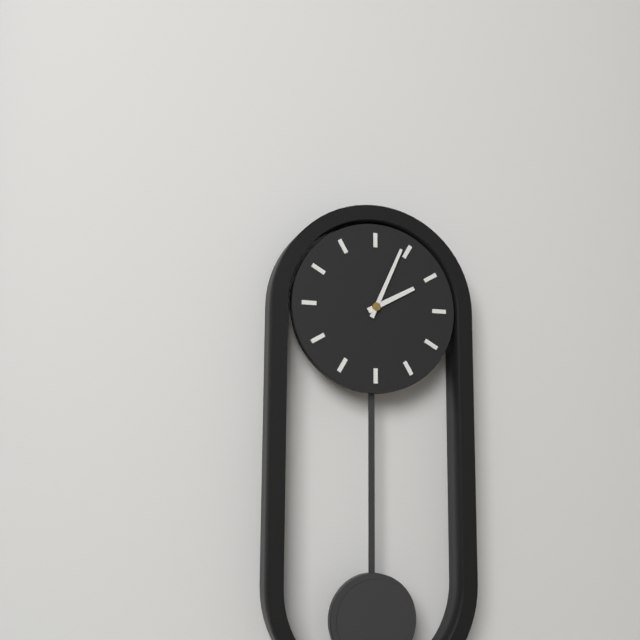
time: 2:04
